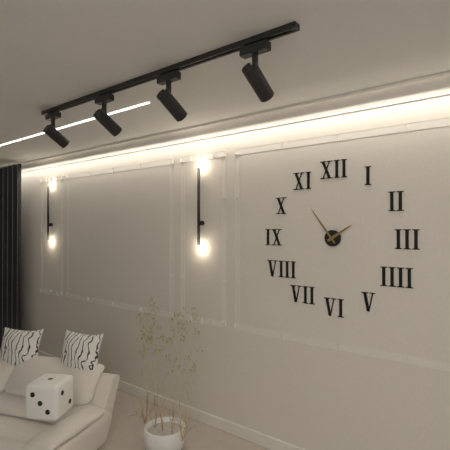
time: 1:54
